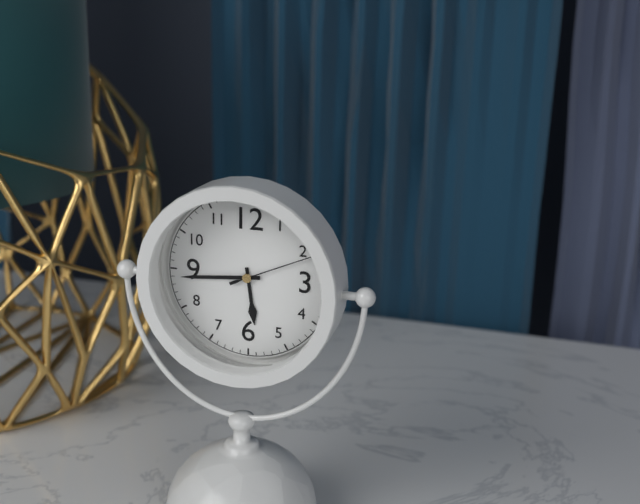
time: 5:44:11
